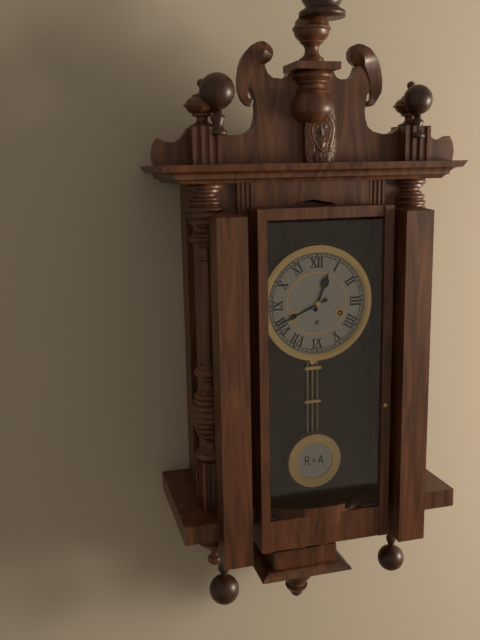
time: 12:41
